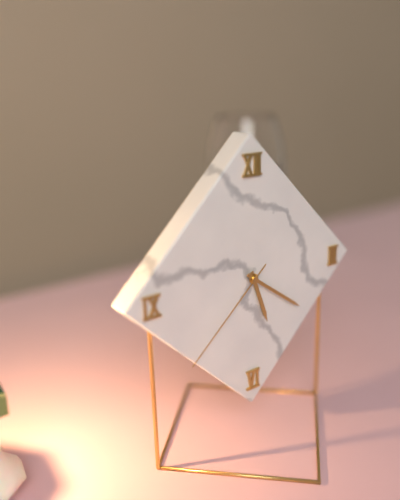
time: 5:21:38
